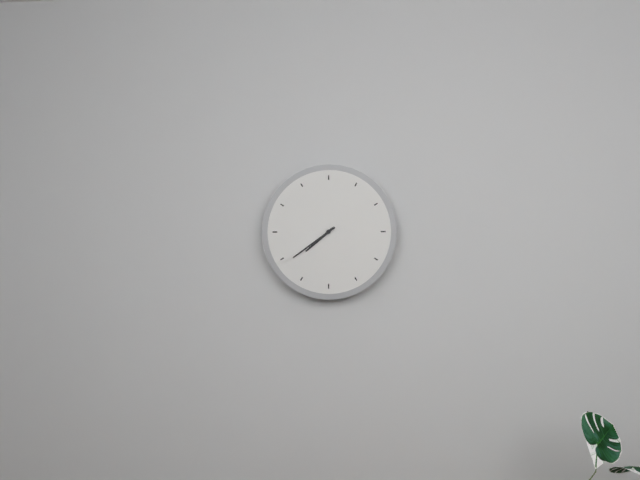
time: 7:39
